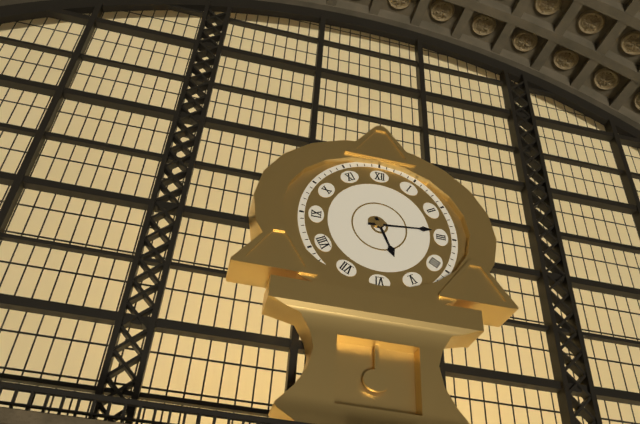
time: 5:14
